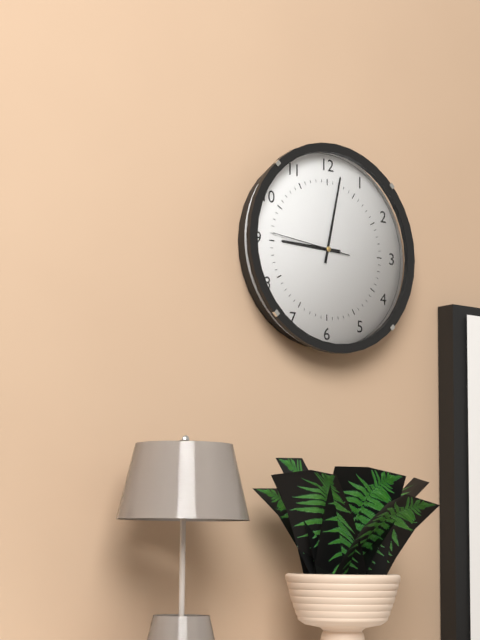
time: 9:02:46
